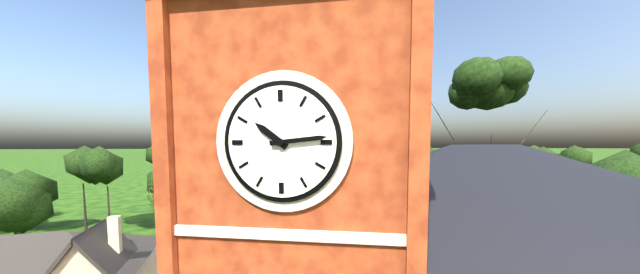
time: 10:14
